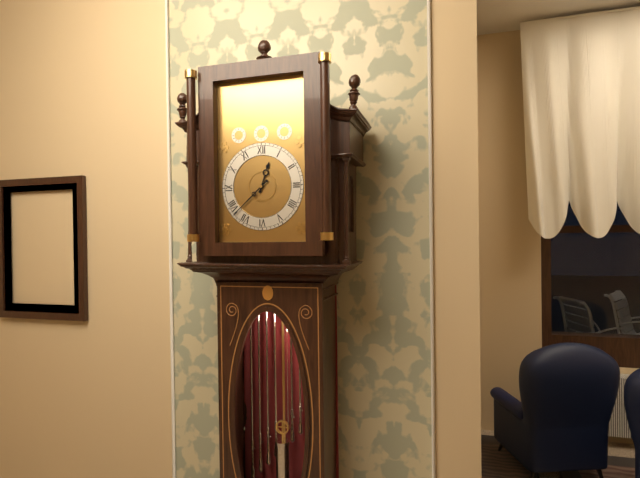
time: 12:38
